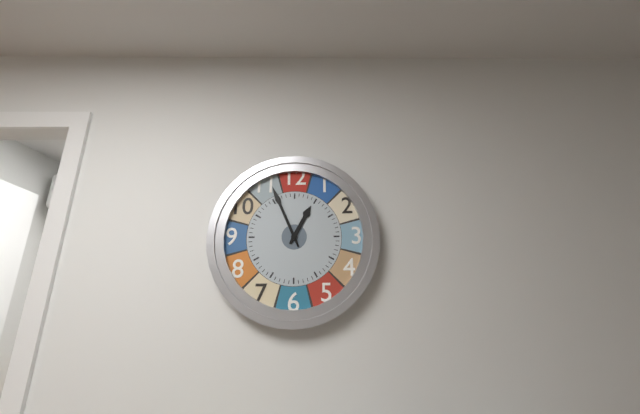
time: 12:56
